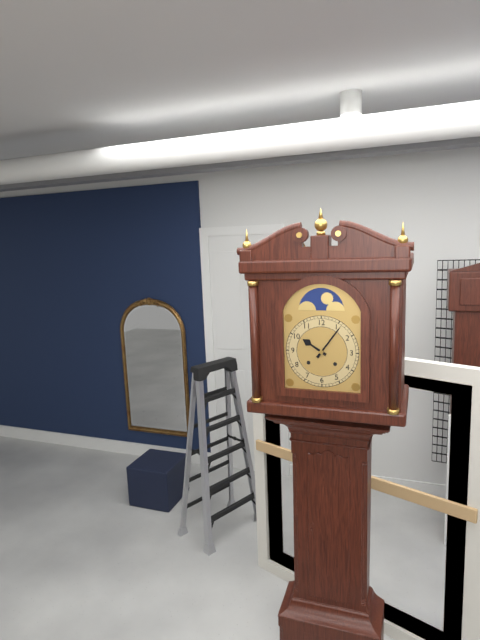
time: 10:06
